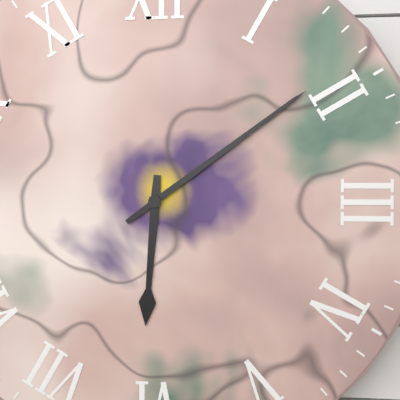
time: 6:09
